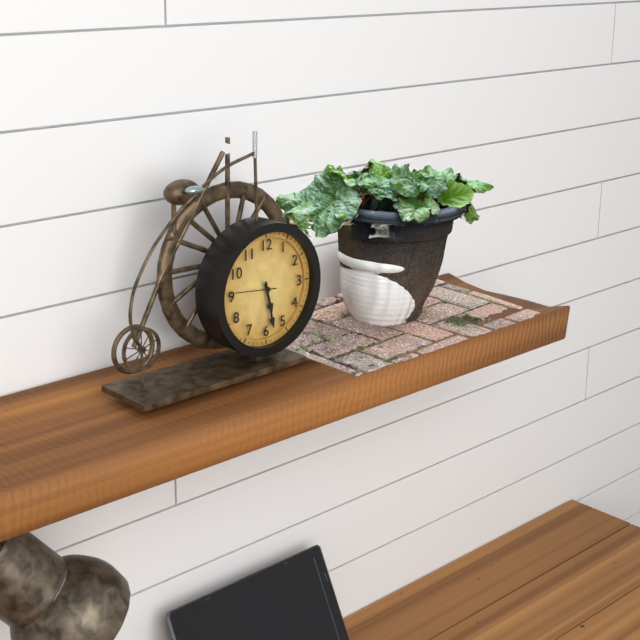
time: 5:28
